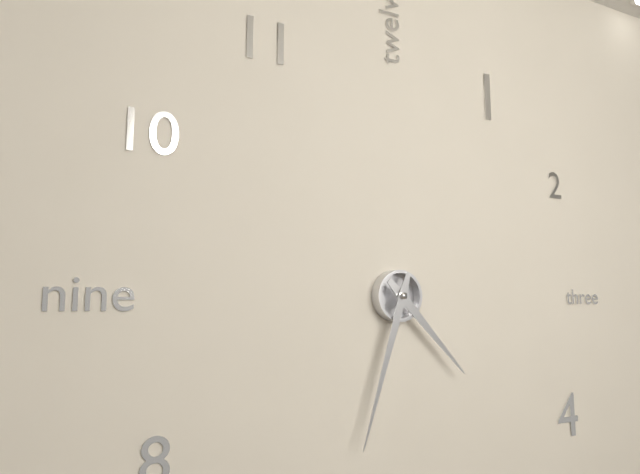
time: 4:33
